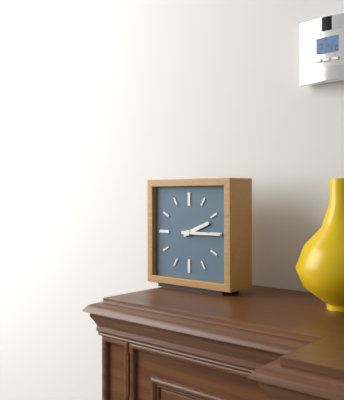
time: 2:15
